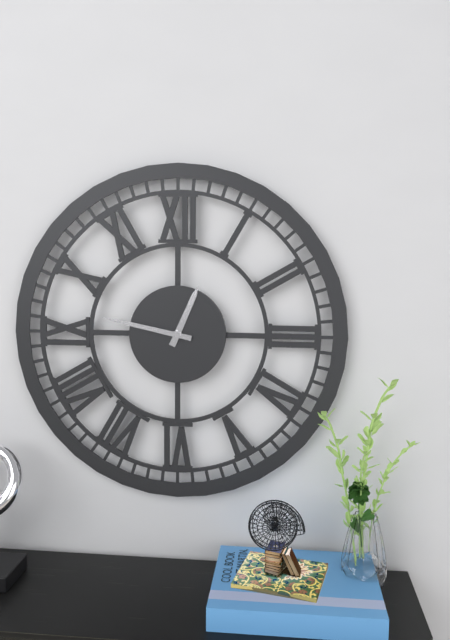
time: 12:47
